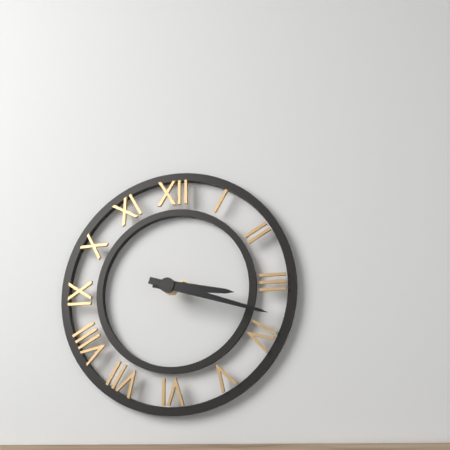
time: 3:18
